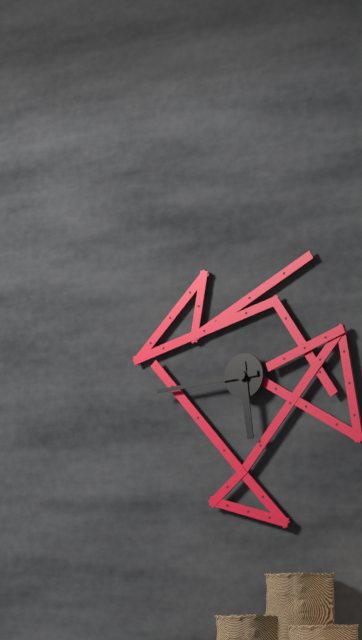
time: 5:44
